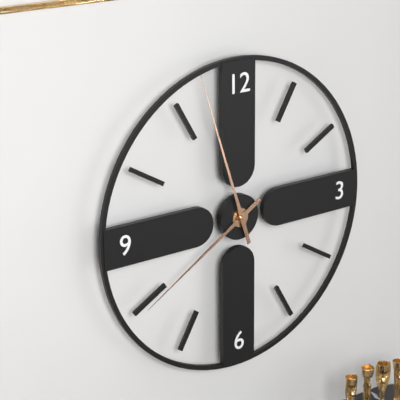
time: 7:57
